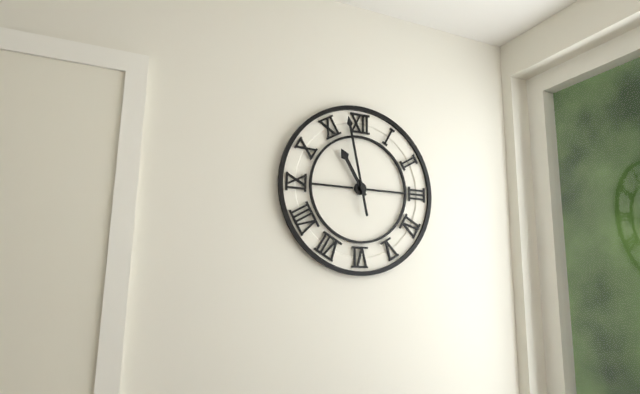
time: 10:58
